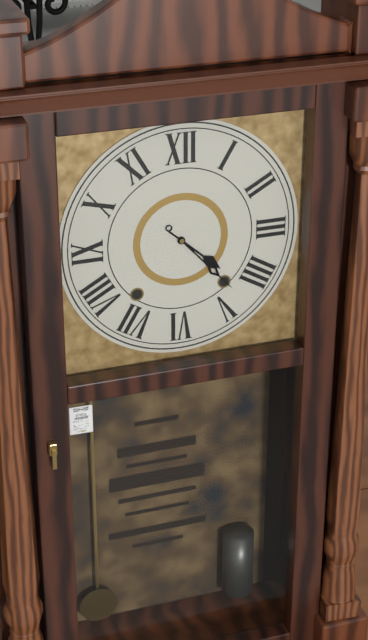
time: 4:23
